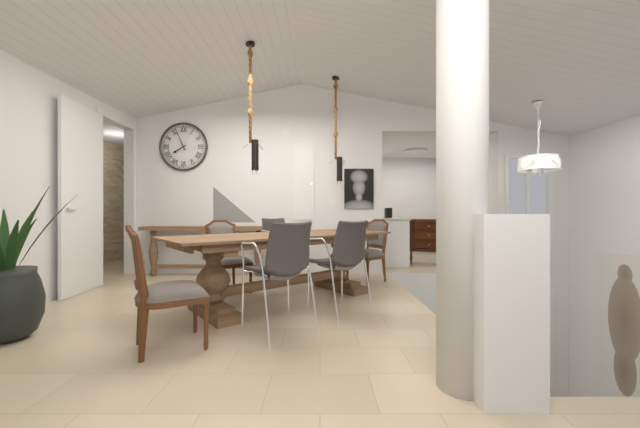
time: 7:56
